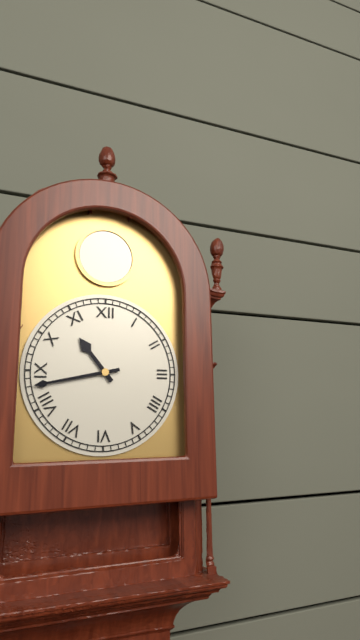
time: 10:43
